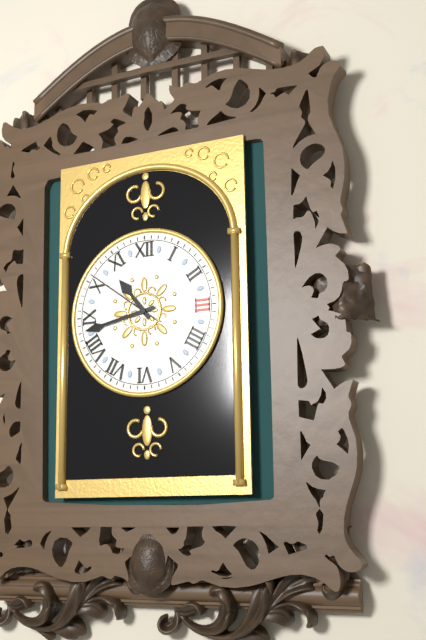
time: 10:43:51
